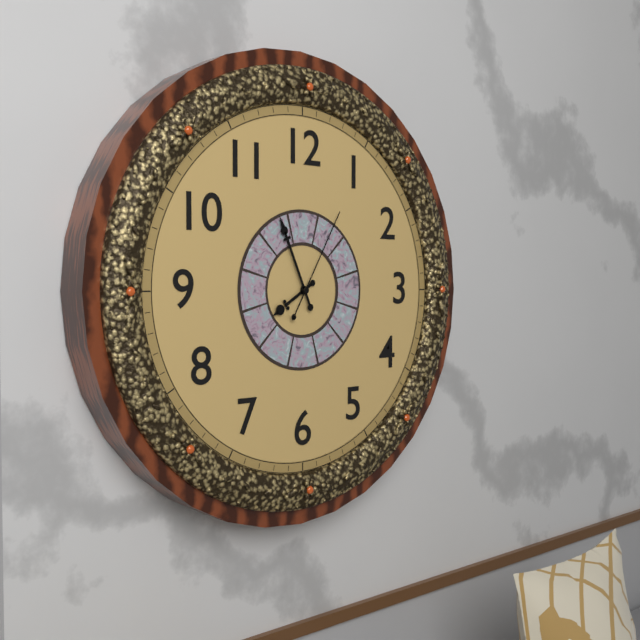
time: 7:56:05
